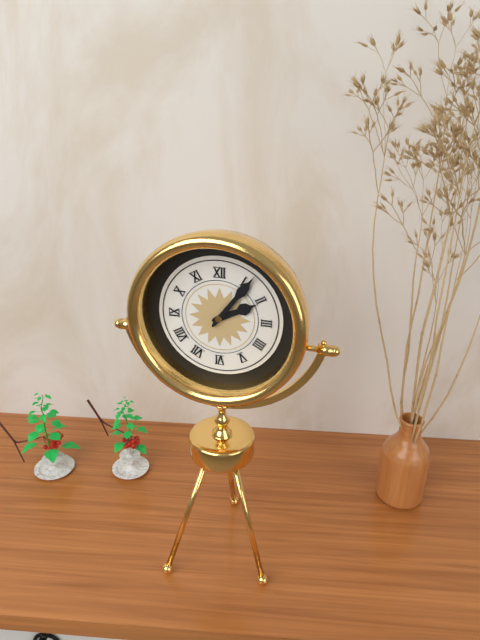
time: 2:06
